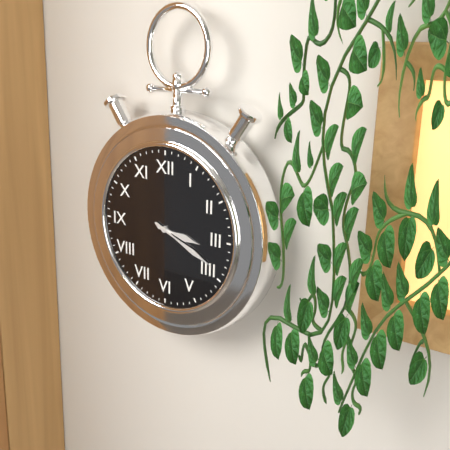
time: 3:19
